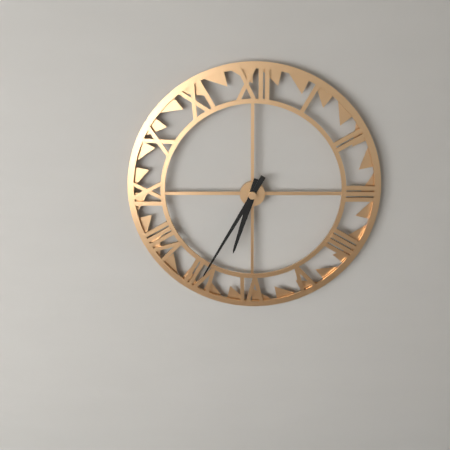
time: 6:35
